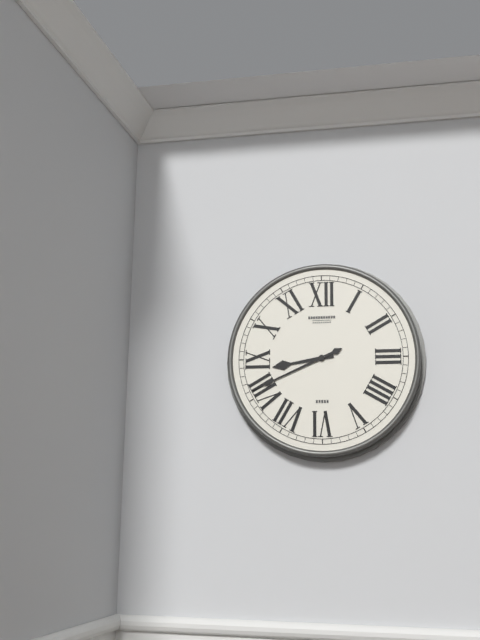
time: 8:41
